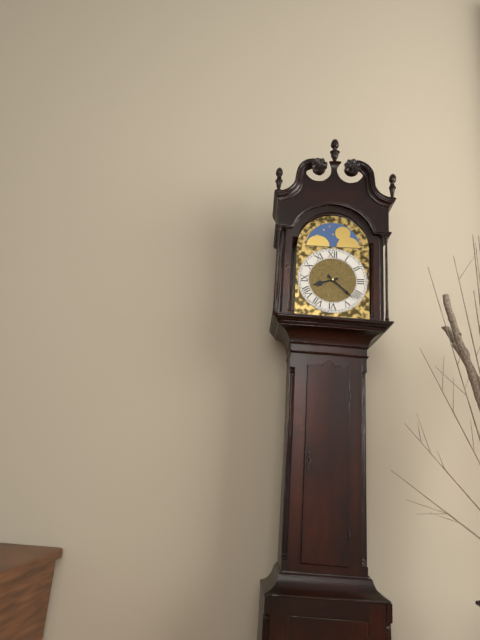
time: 8:22
